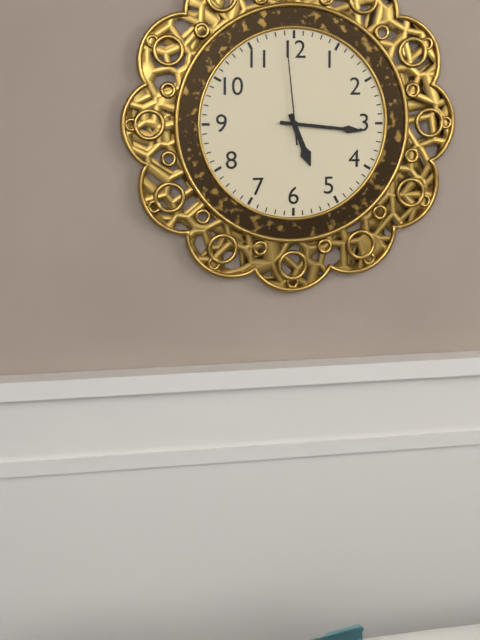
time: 5:16:59
